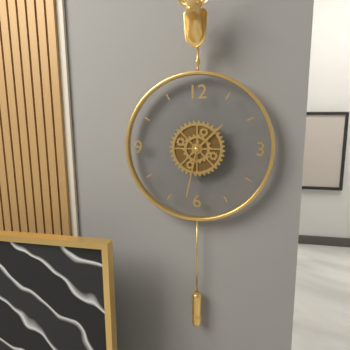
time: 1:32
